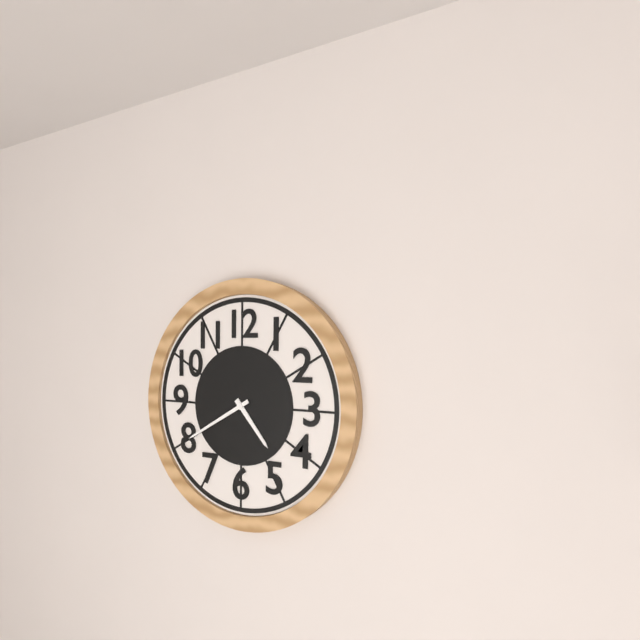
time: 4:40
